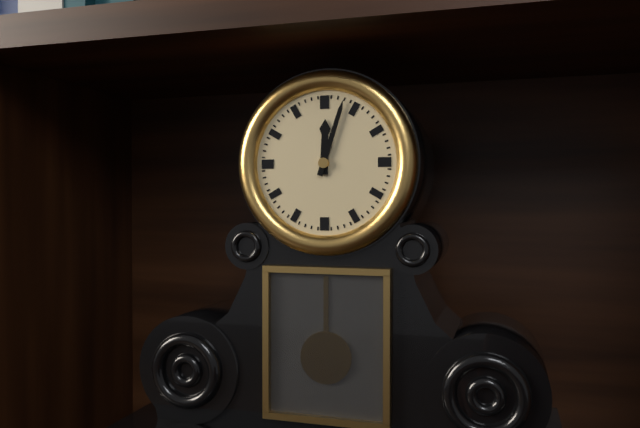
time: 12:03
